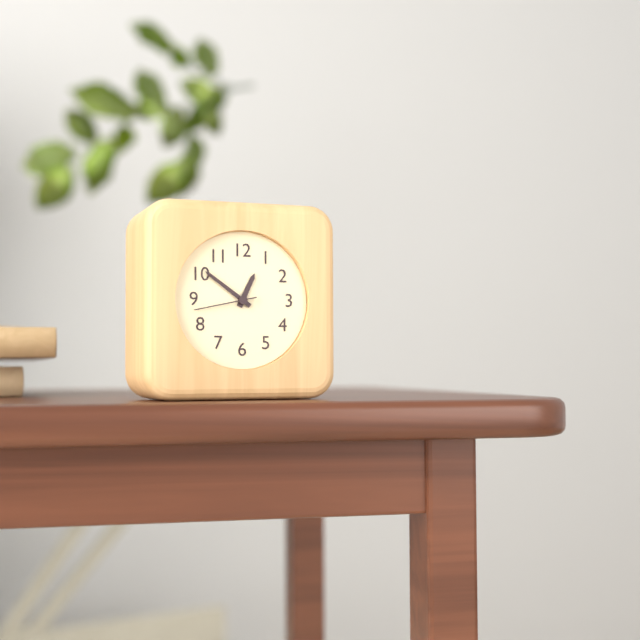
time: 12:51:43
